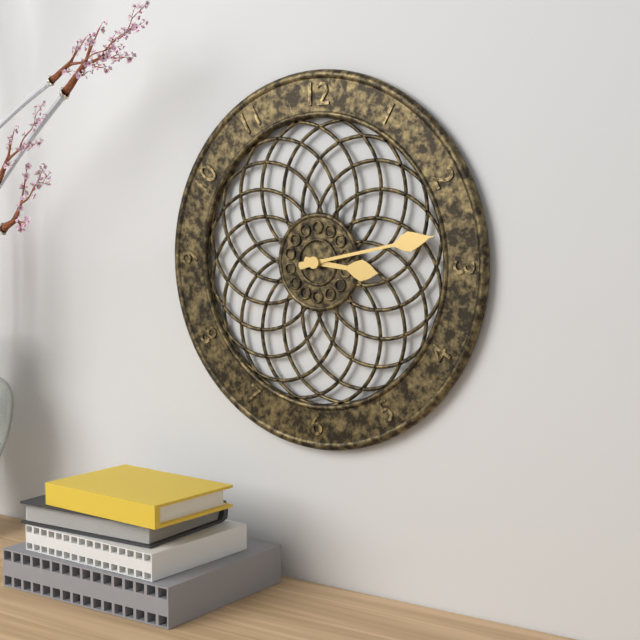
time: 3:13
